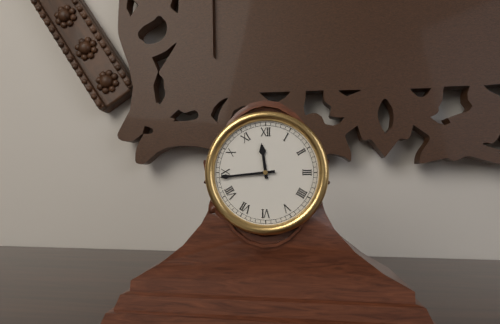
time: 11:44
